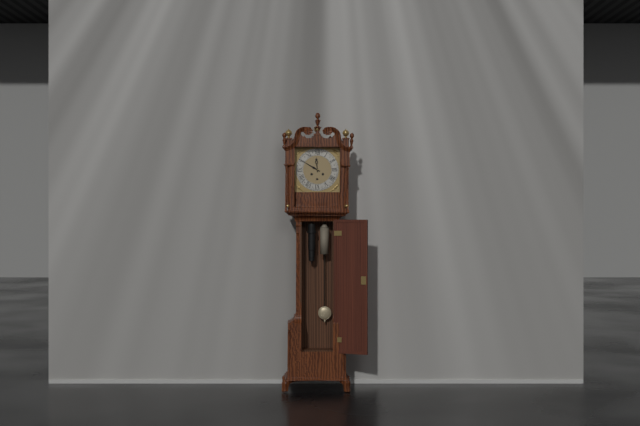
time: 11:50
